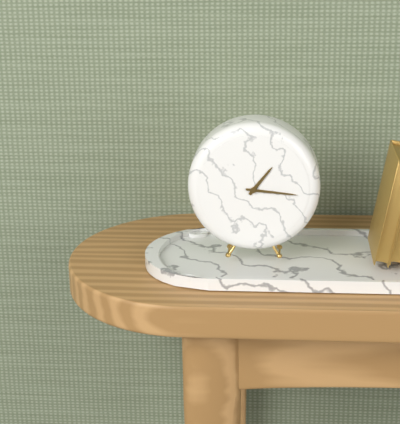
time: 1:16
